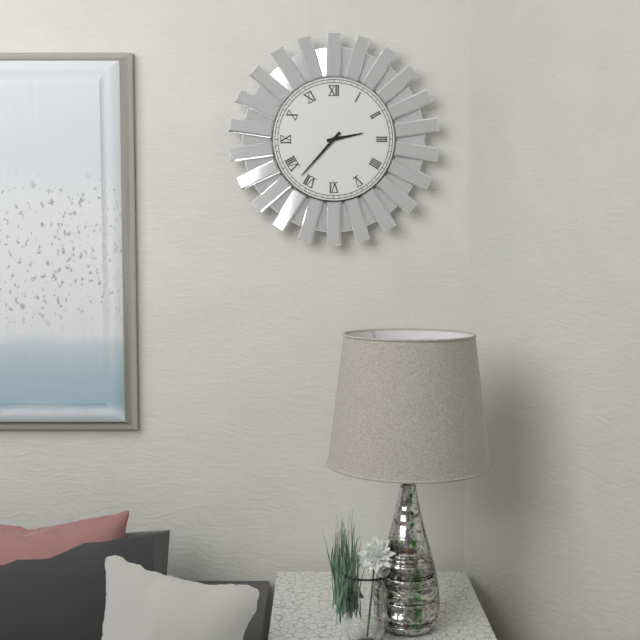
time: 2:37
